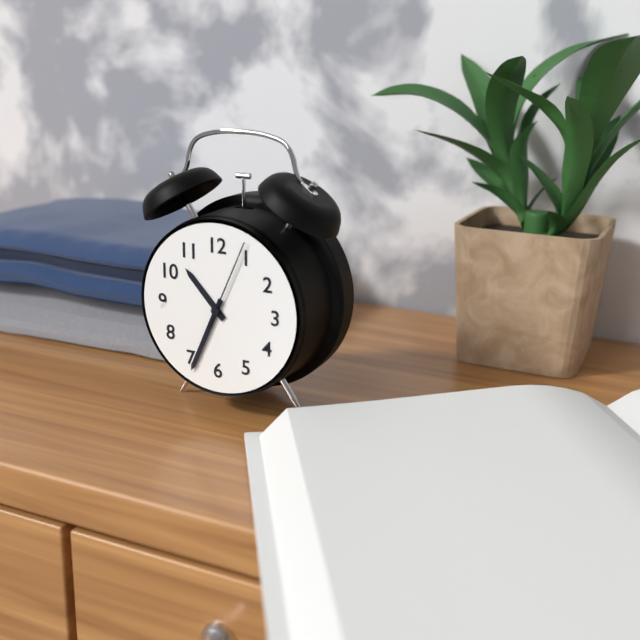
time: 10:34:04
